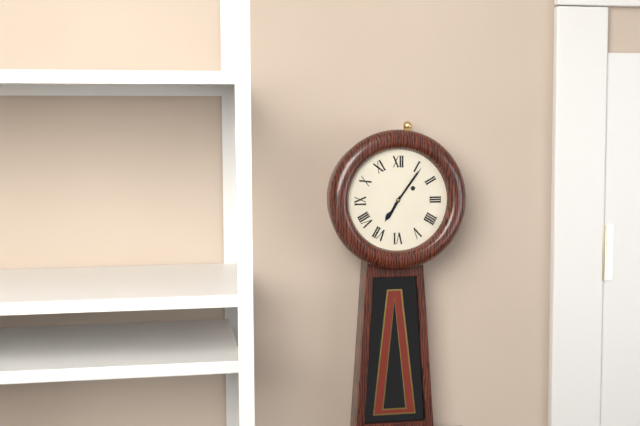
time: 7:06
